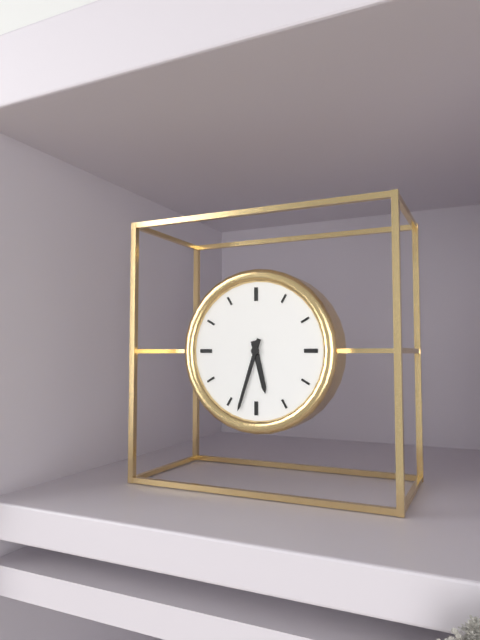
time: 5:33
